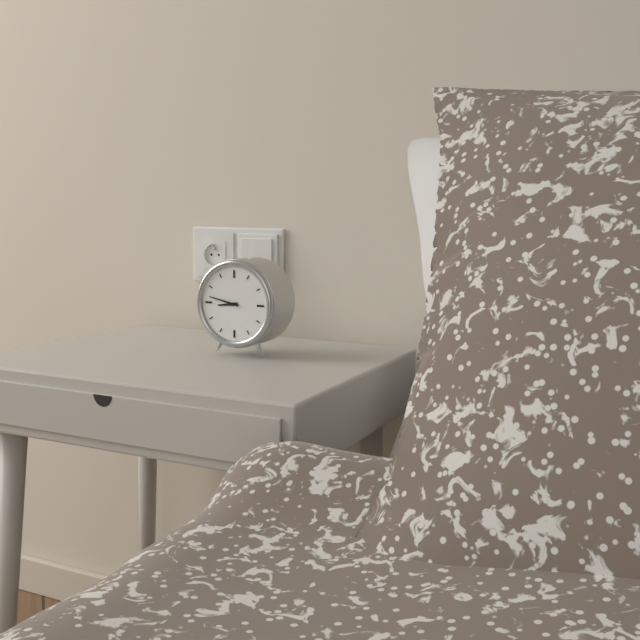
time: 8:47
